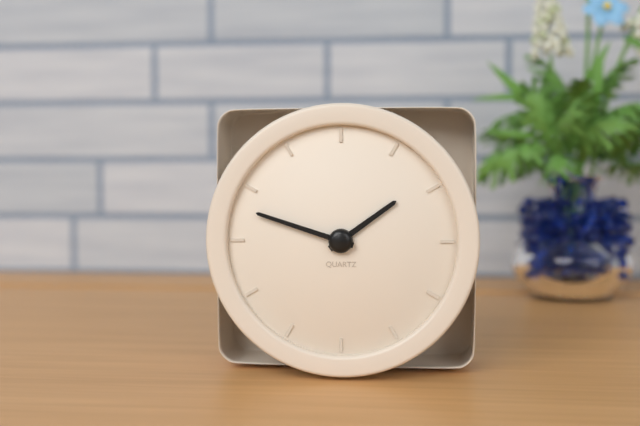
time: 1:48
